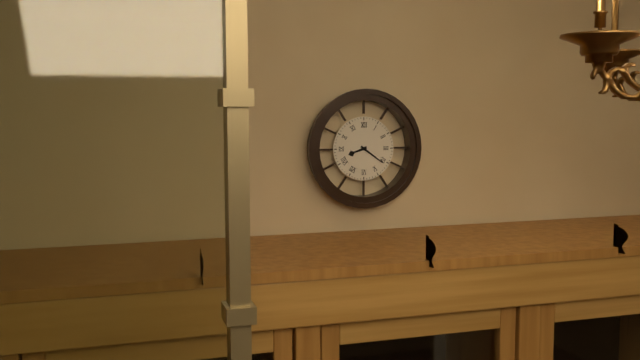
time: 8:21
